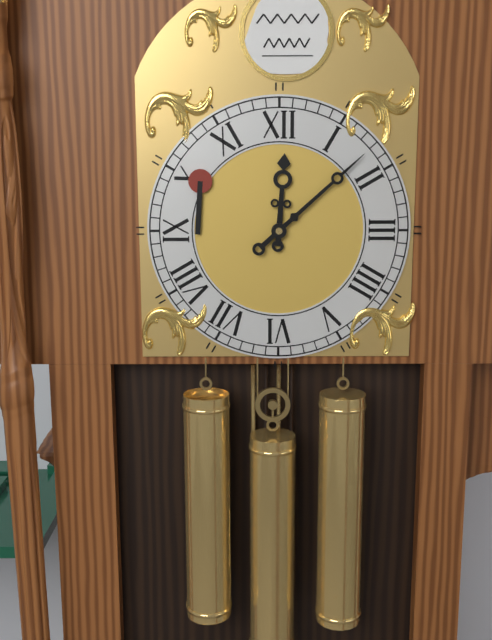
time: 12:08
